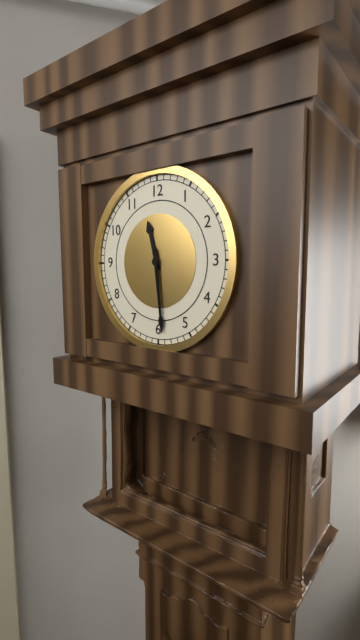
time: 11:29
